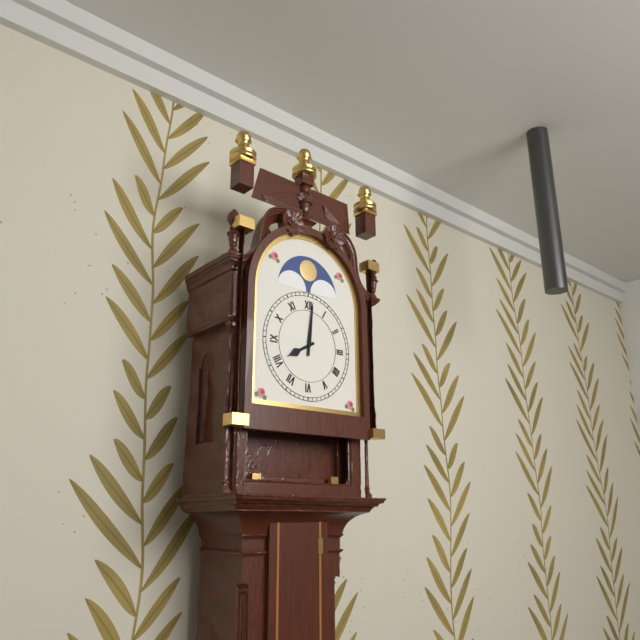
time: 8:01
